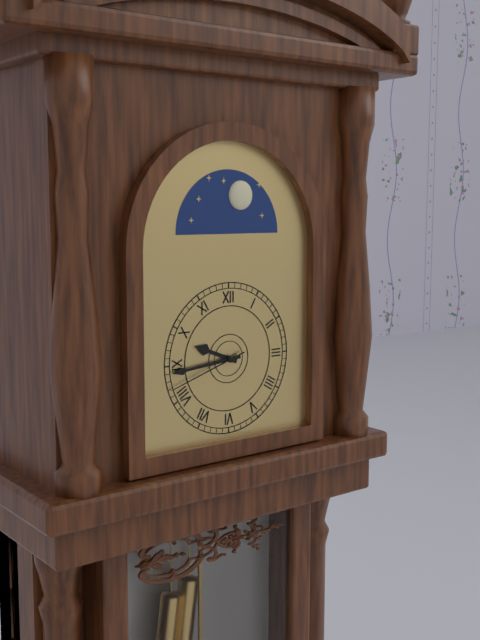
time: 9:44:42
